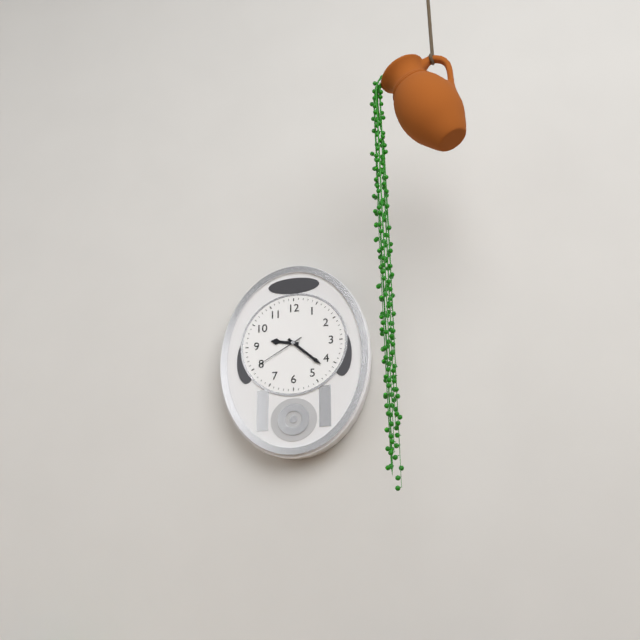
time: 9:22:40
